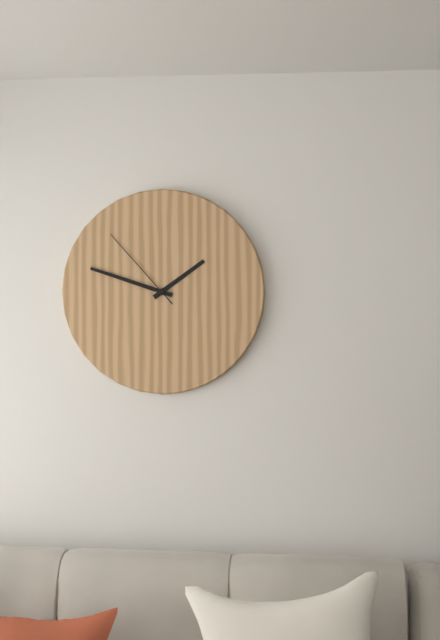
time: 1:48:53
